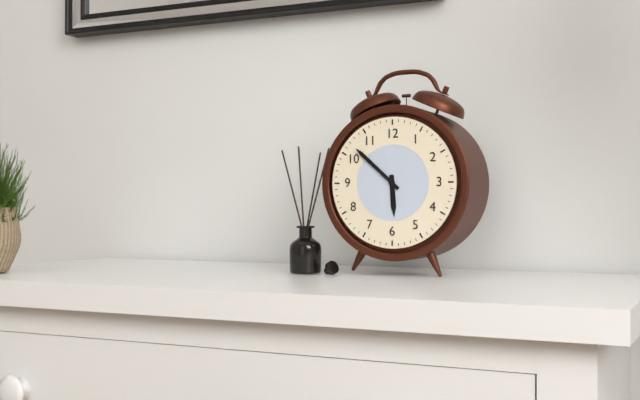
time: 5:52
